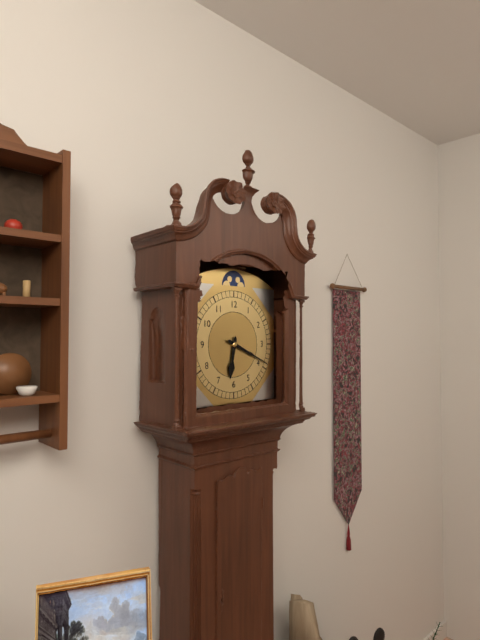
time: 6:19
